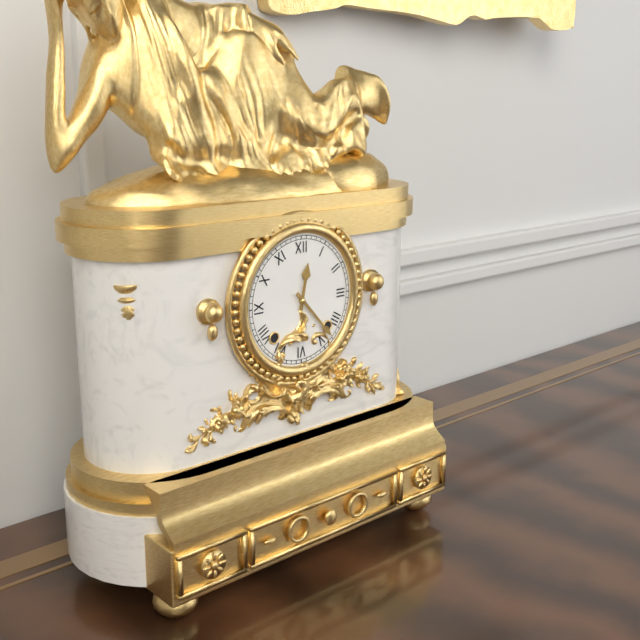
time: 12:23
